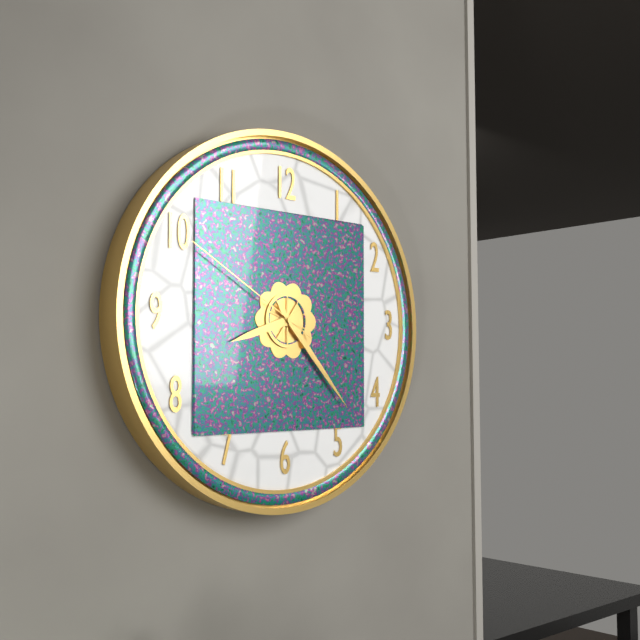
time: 8:23:50
